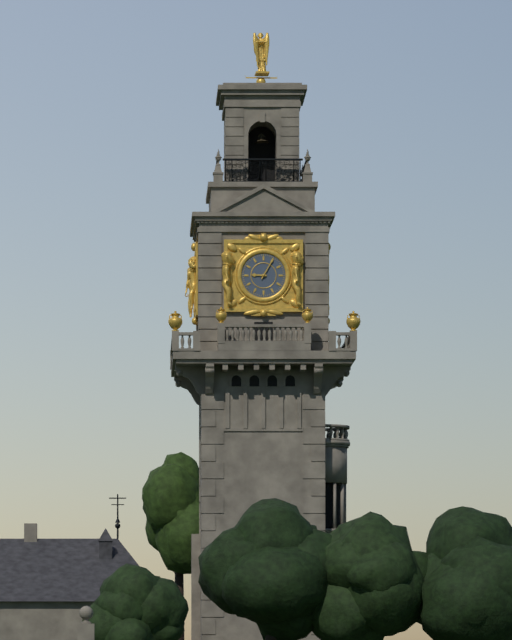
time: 9:05
